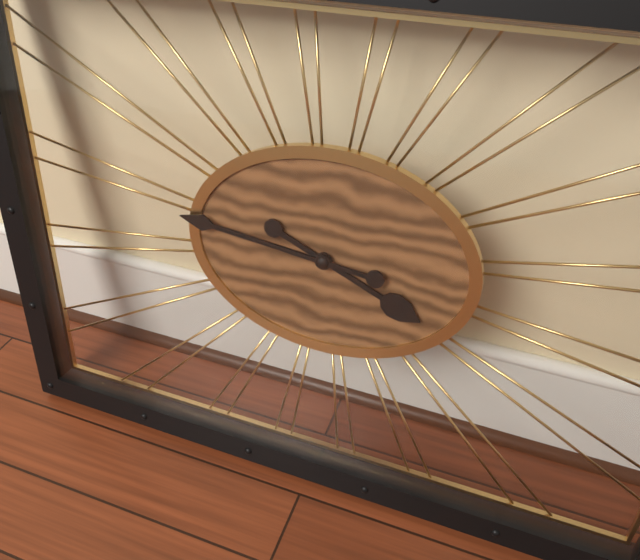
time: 3:46
